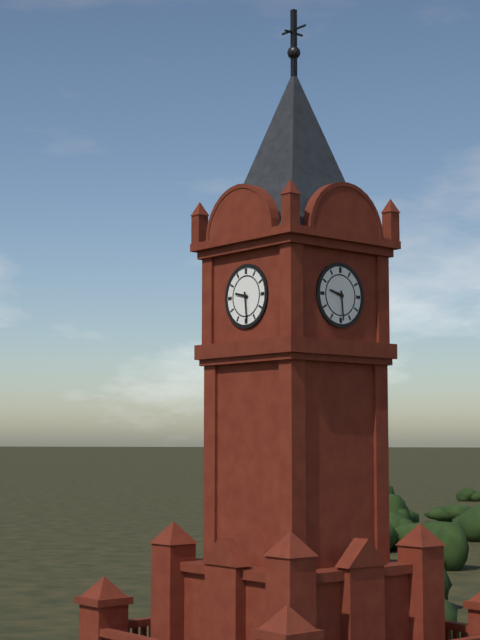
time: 9:29
